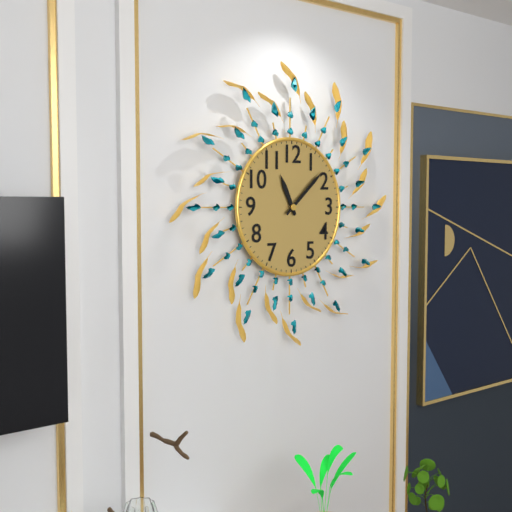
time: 11:08
